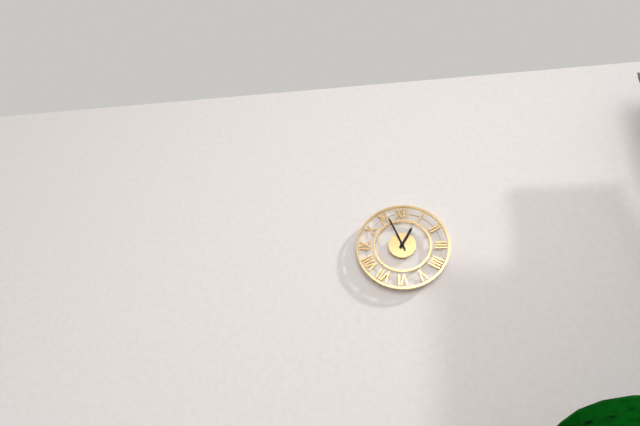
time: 12:56
